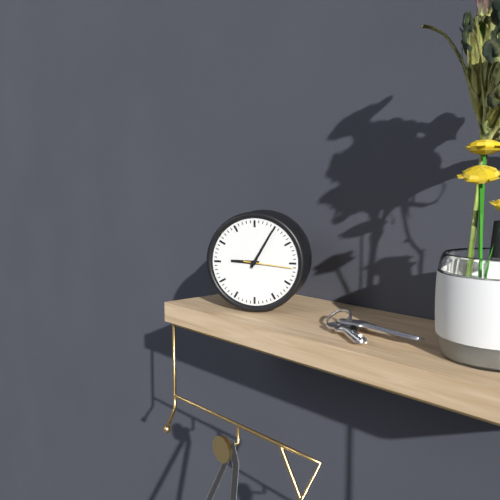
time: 9:05
